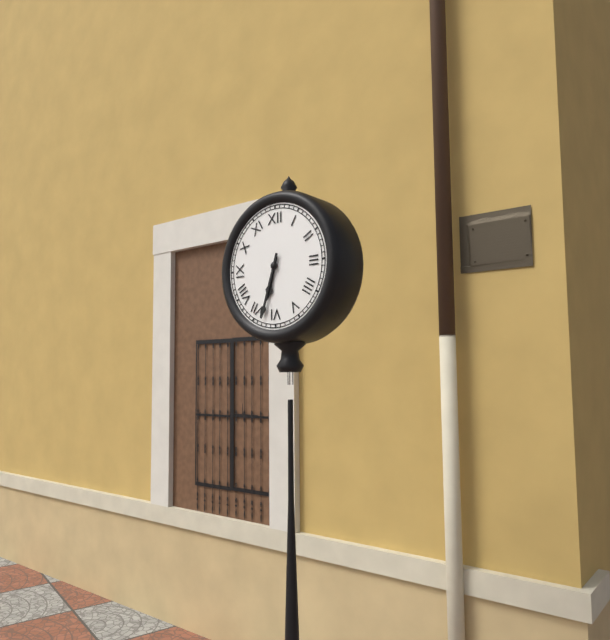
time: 6:33
